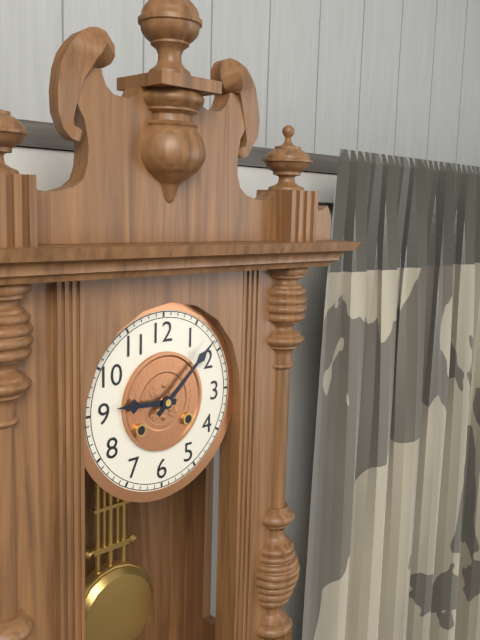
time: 9:08
